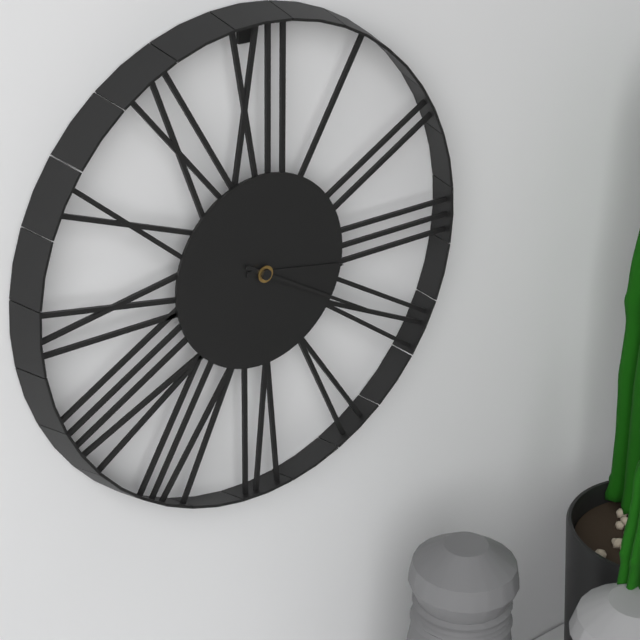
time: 3:20
